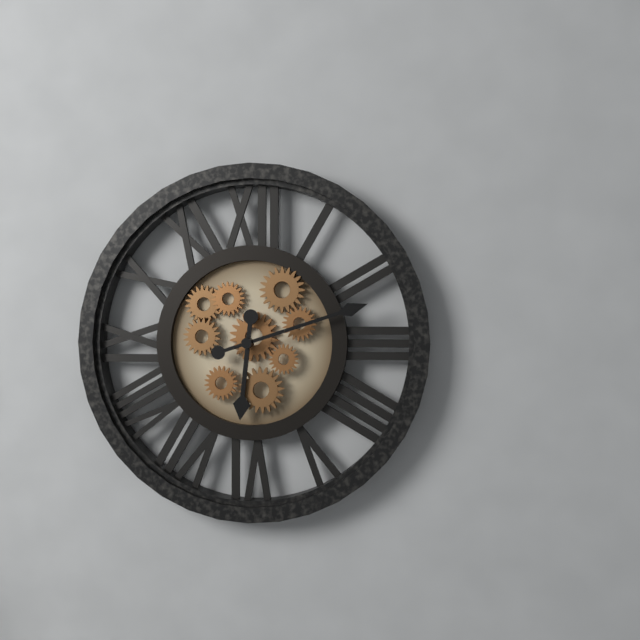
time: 6:12
